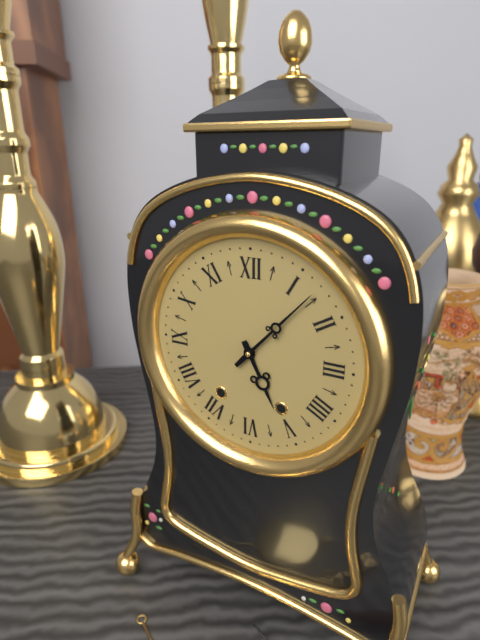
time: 5:07
